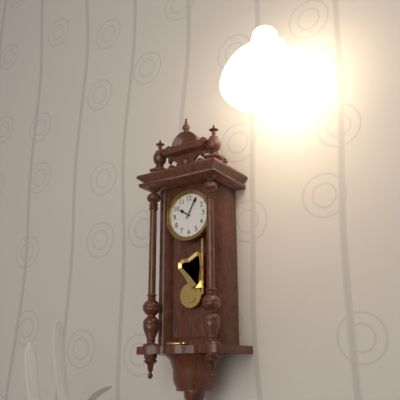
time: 10:05
